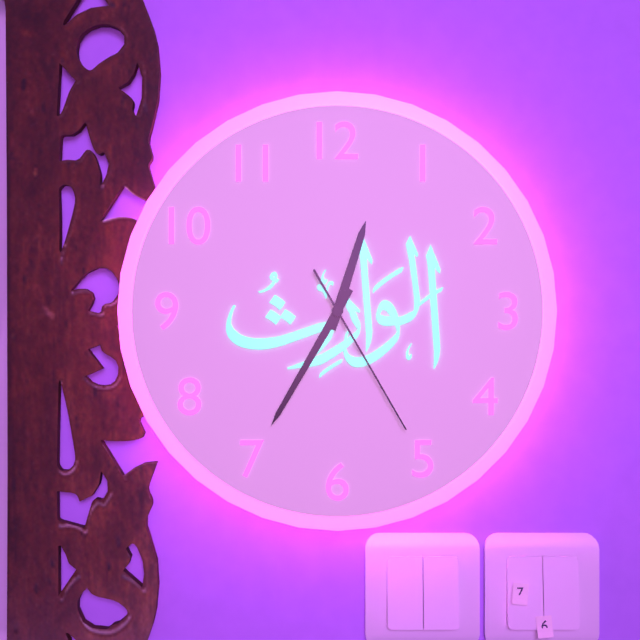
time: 12:35:25
